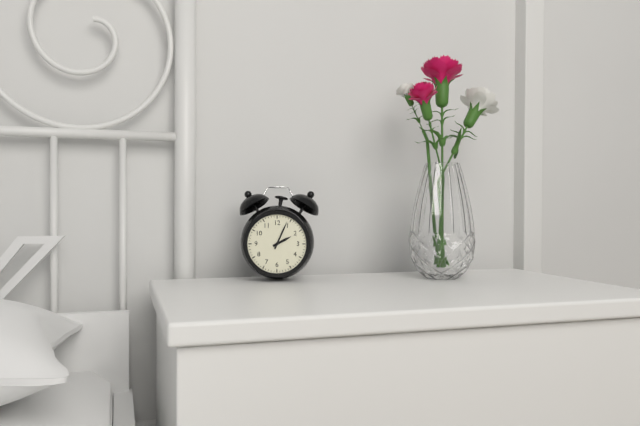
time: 2:04
